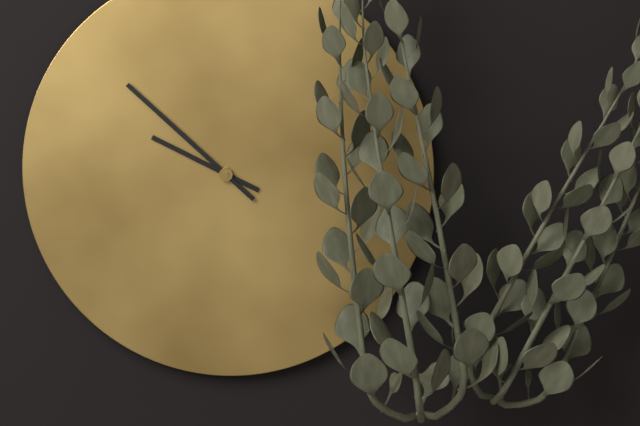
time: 9:52
